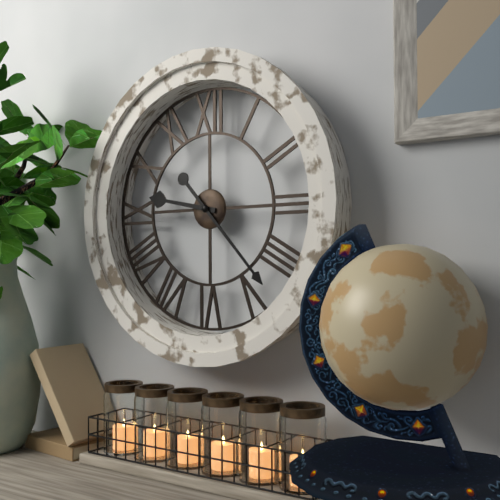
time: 9:23
